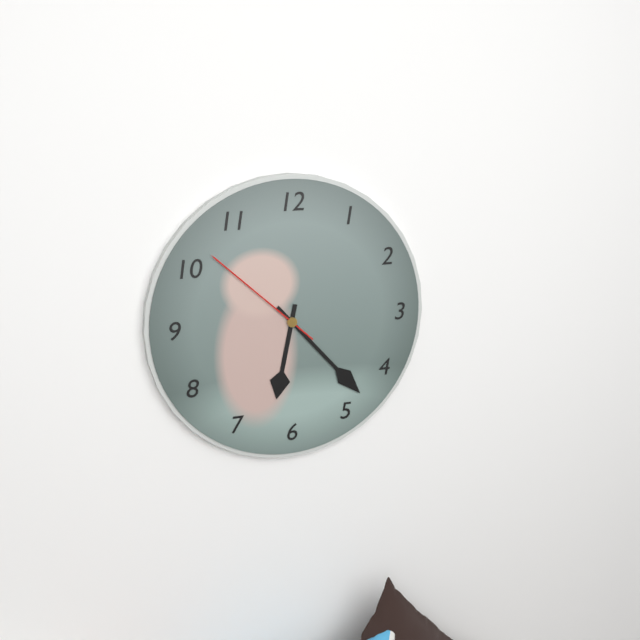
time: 6:23:52
